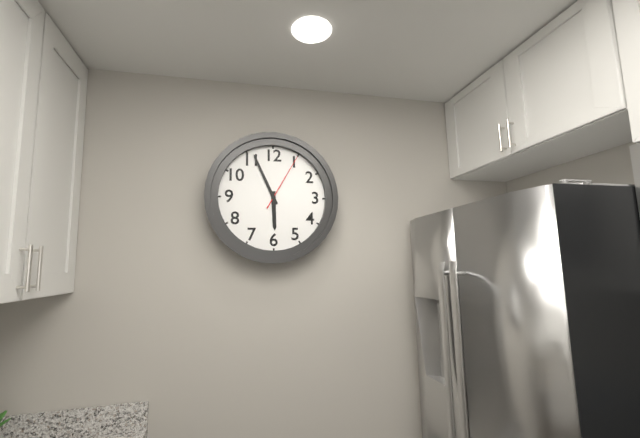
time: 5:56:05
